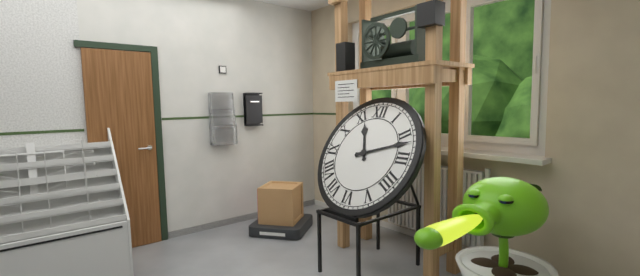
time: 11:12
